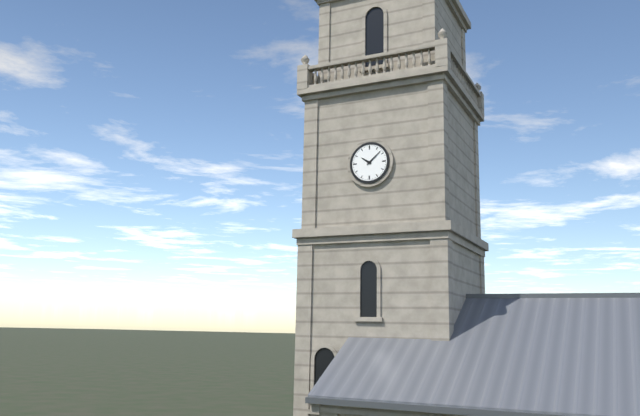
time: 10:08
